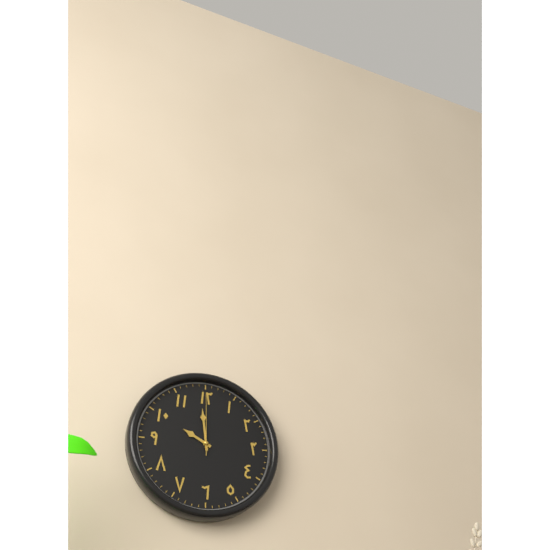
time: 9:59:00
